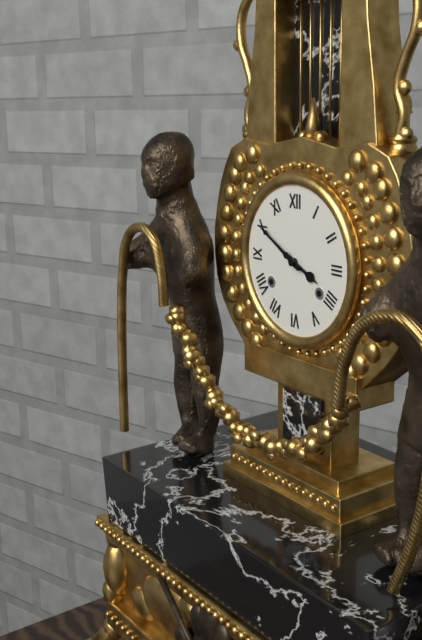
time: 3:50
